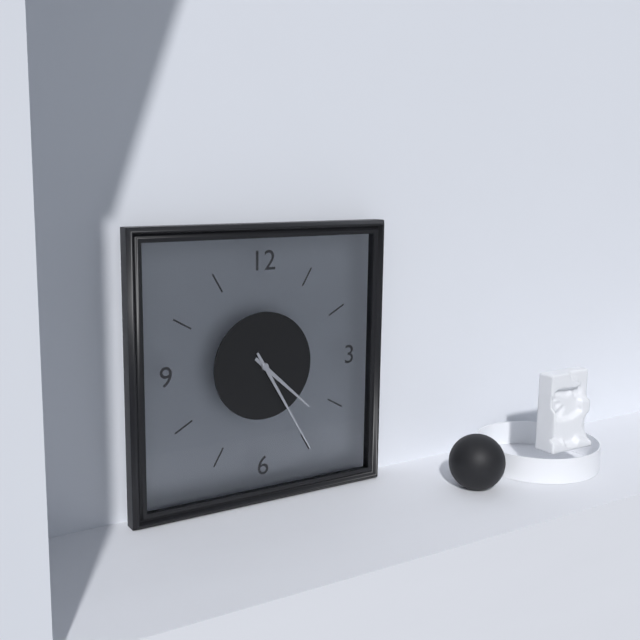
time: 4:25
